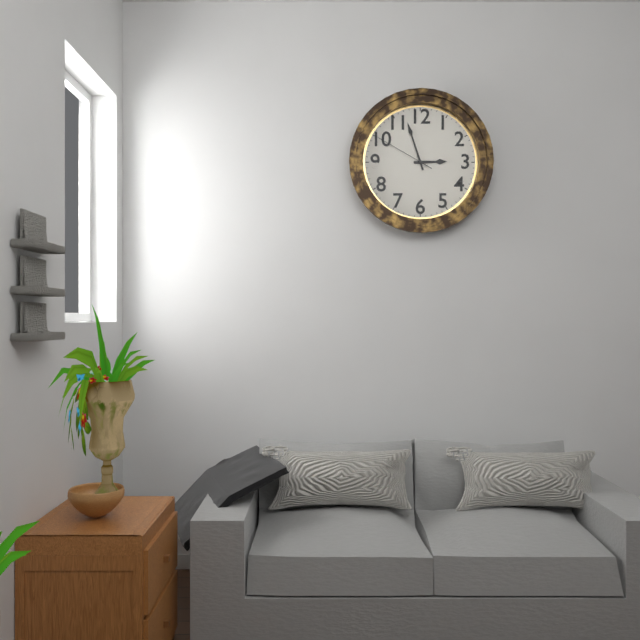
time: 2:57:50
